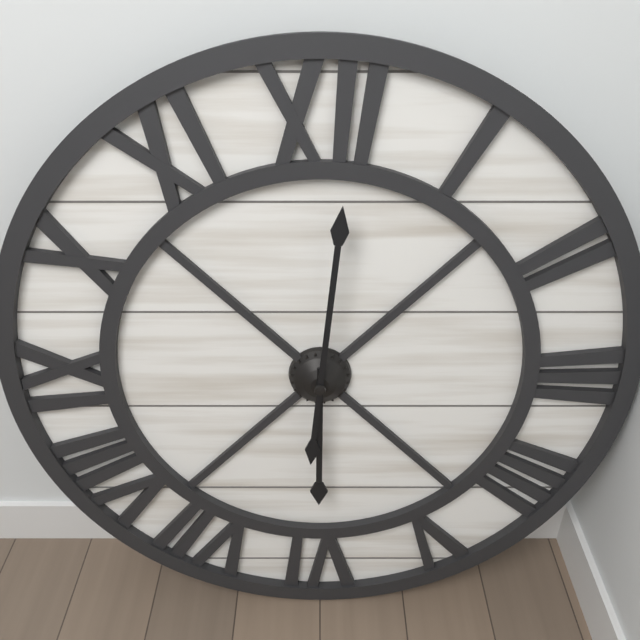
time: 6:01
